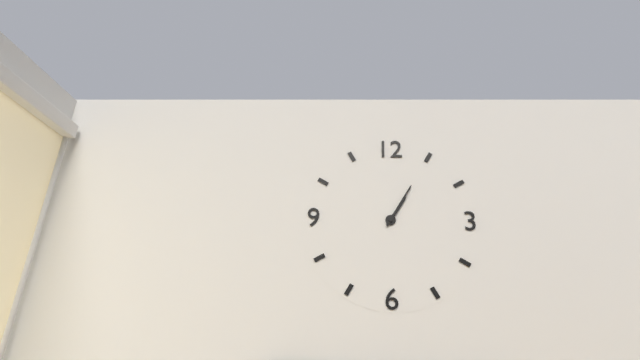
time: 1:05
